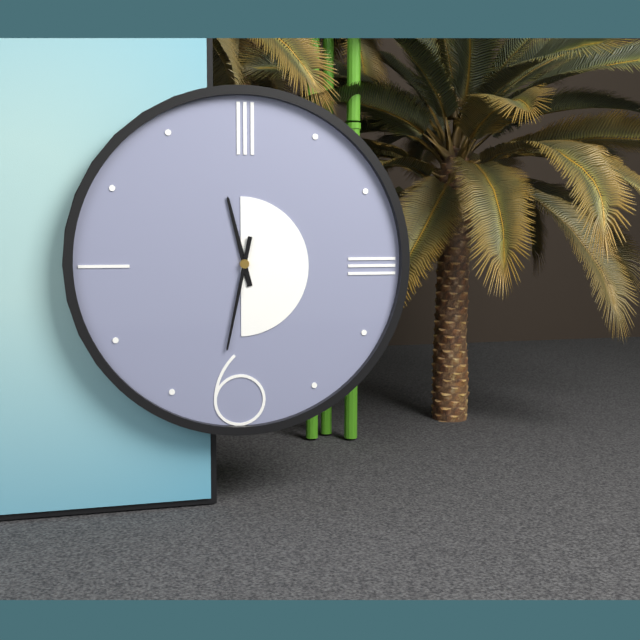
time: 11:32
